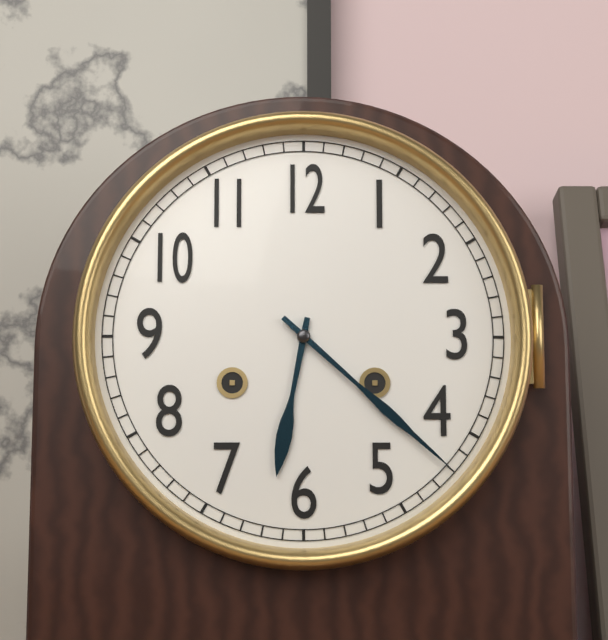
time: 6:22
